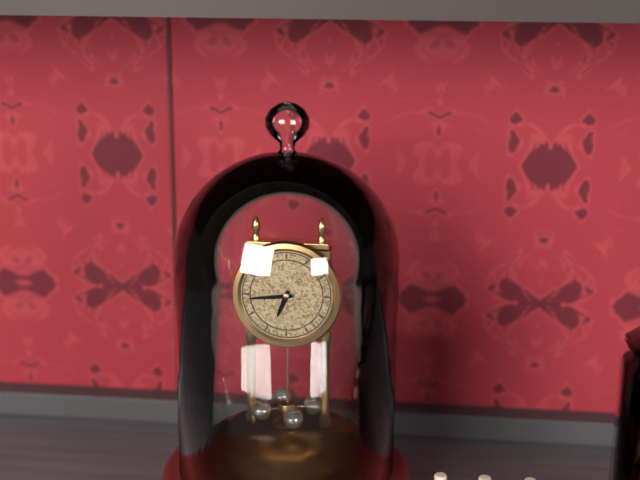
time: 6:44
